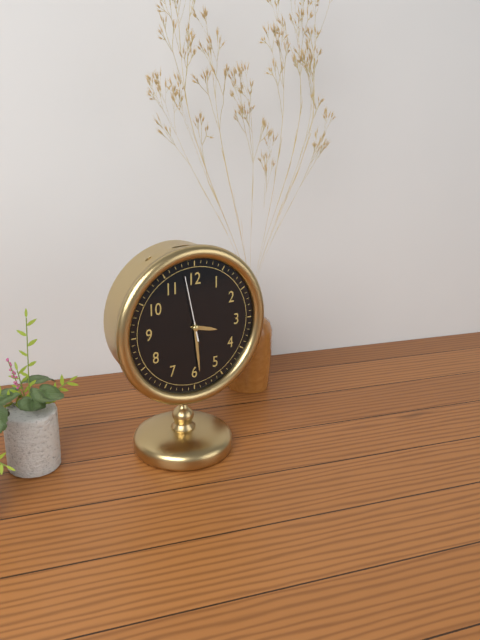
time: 3:29:58
